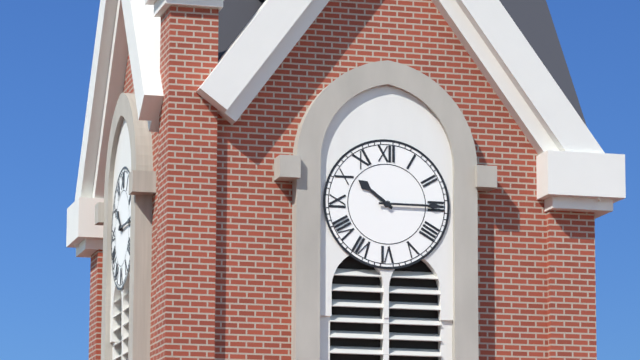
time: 10:15
